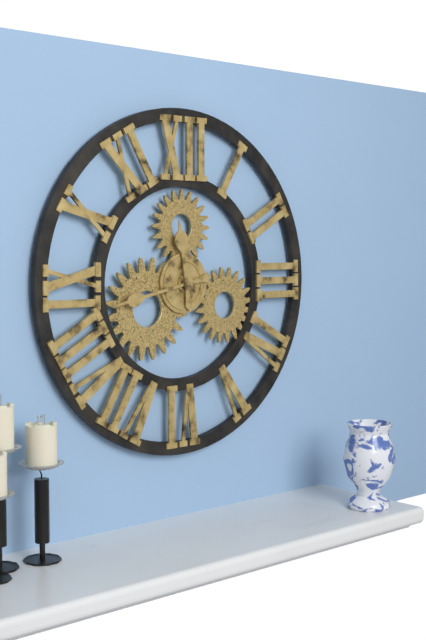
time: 11:43
